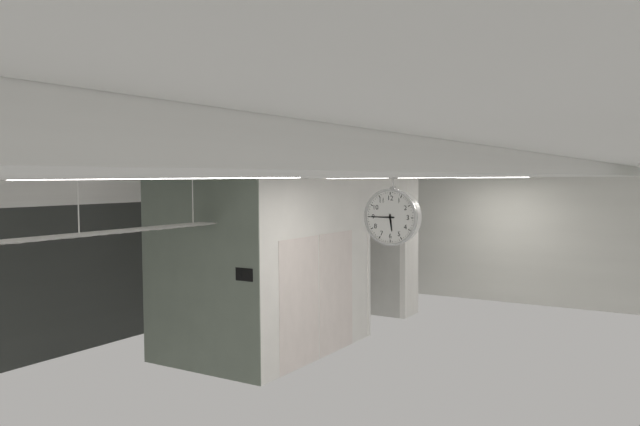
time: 5:45
